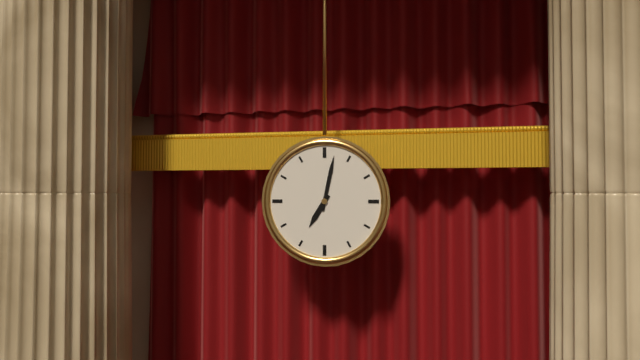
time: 7:02
